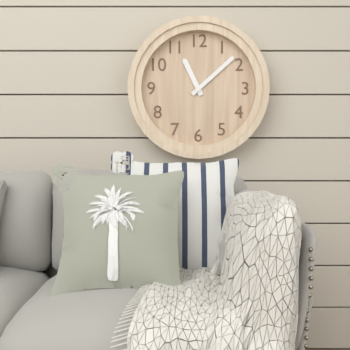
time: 11:08
